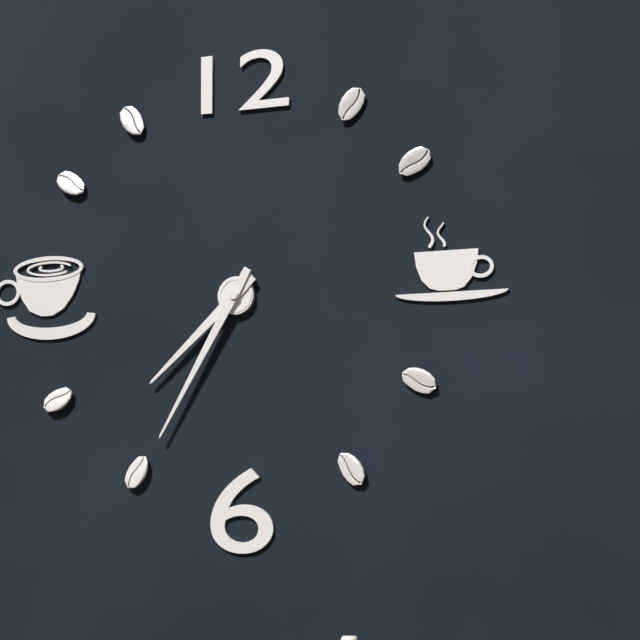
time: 7:35
